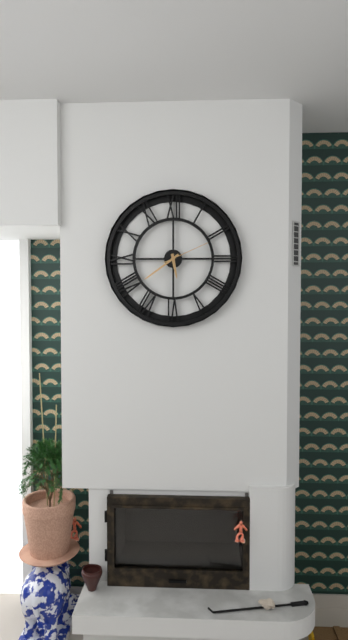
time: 5:39
